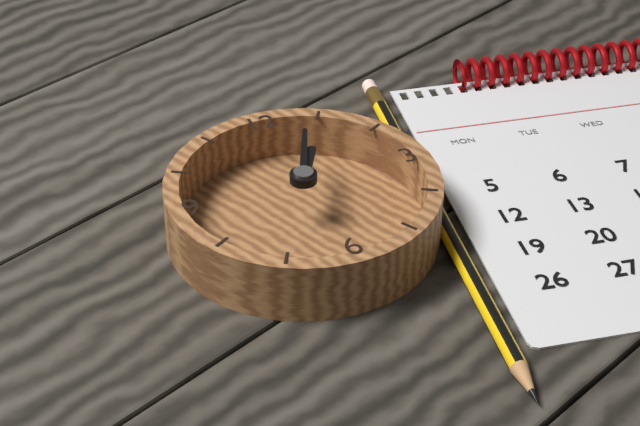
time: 1:04
